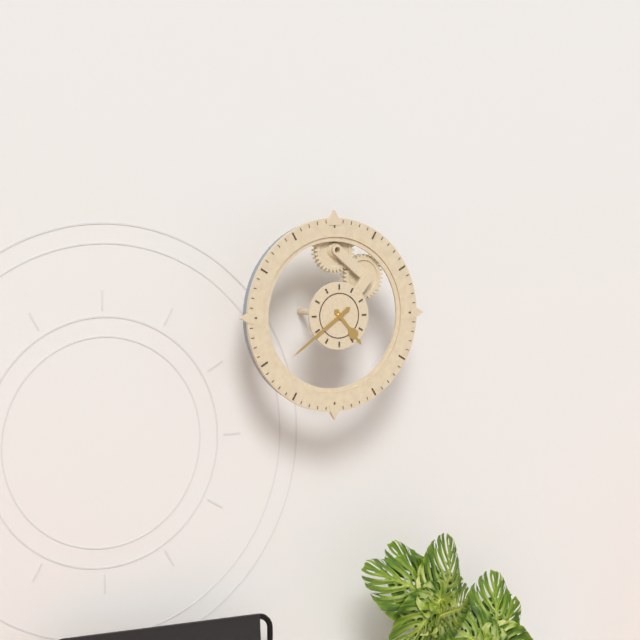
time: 4:39
